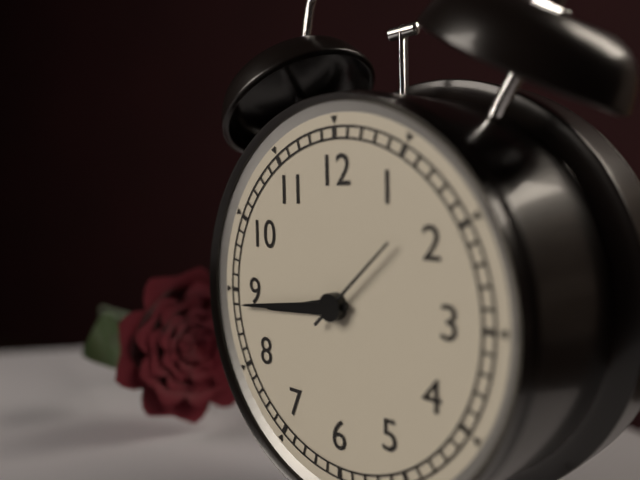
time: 8:44:08
